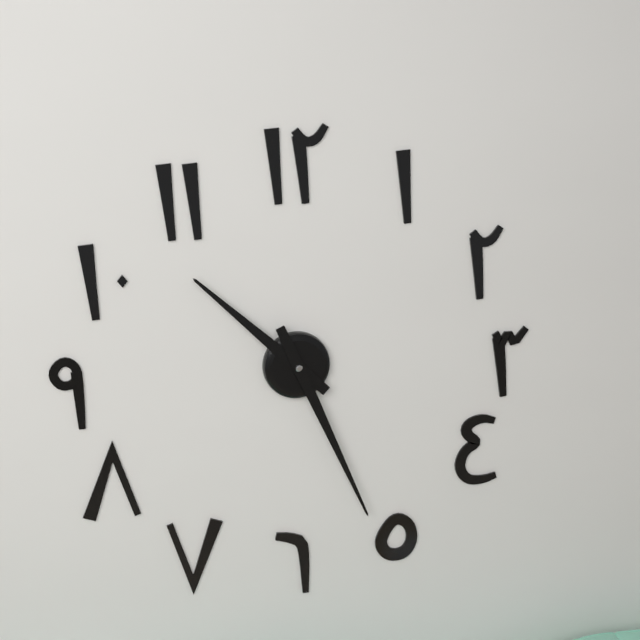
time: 10:26
